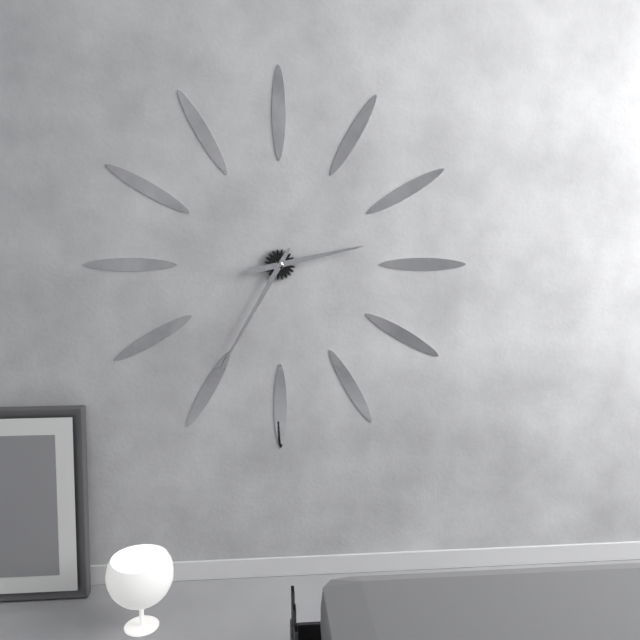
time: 2:35
